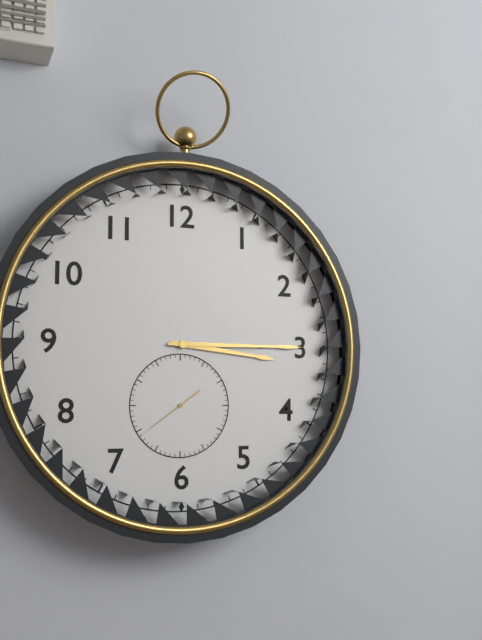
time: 3:15:39
